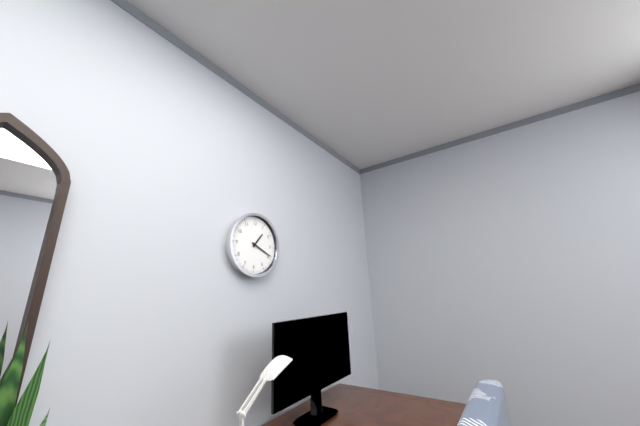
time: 1:19
